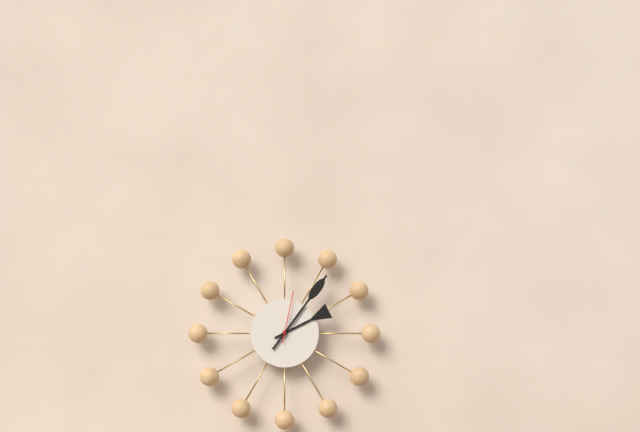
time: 2:06:02
